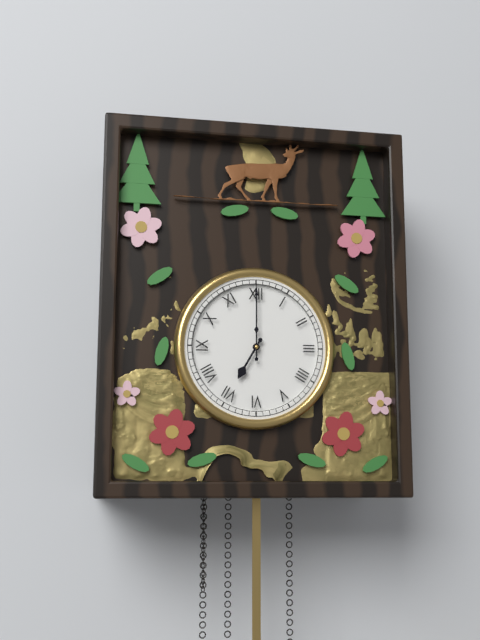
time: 7:00
